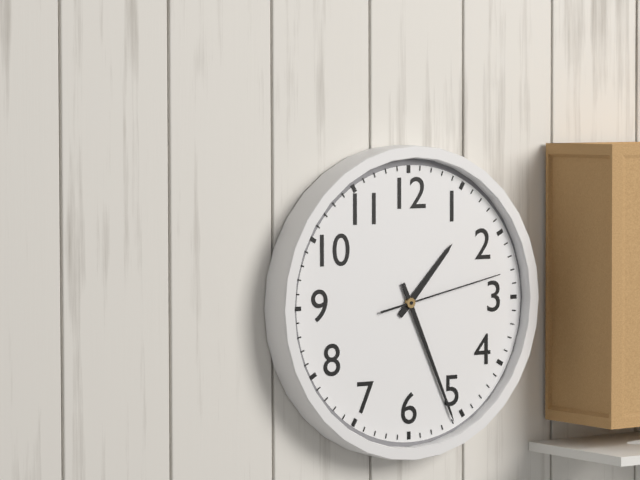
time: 1:26:13
